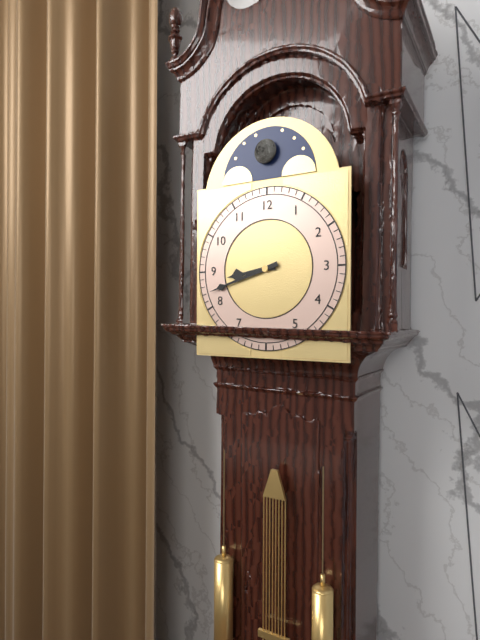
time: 8:42
